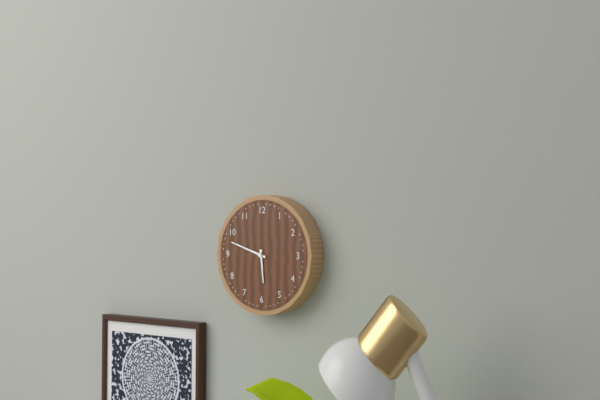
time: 5:48
